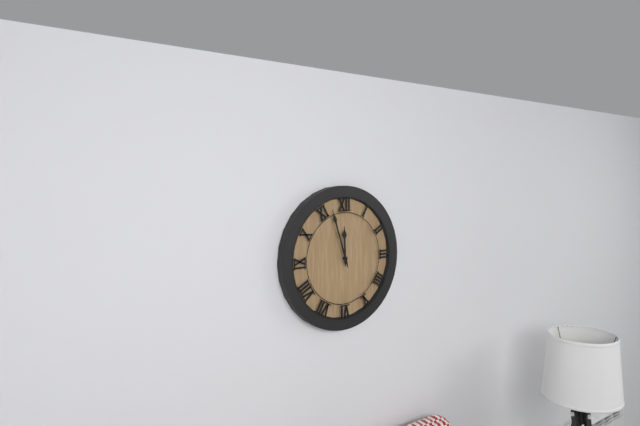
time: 11:57
